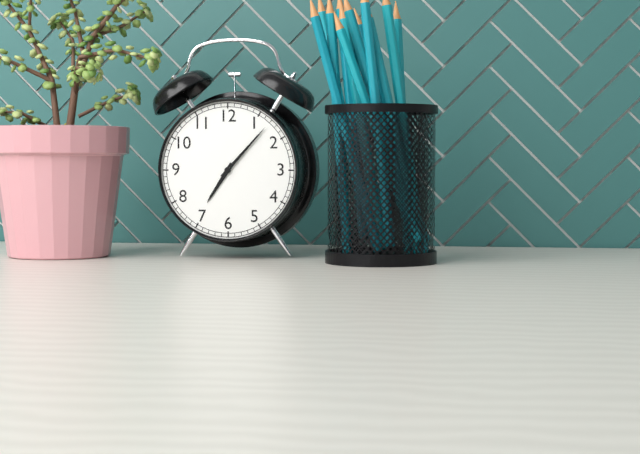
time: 7:07
